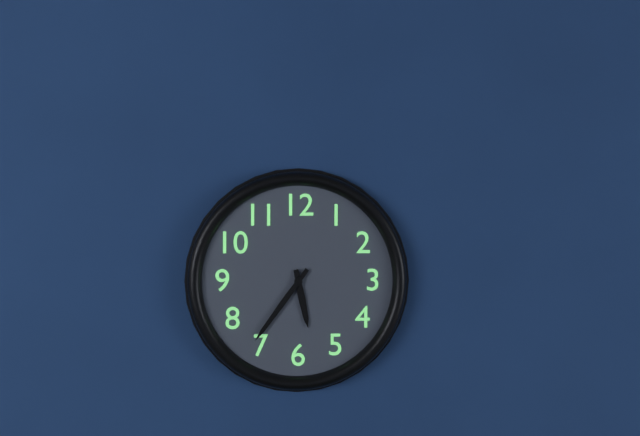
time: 5:36
